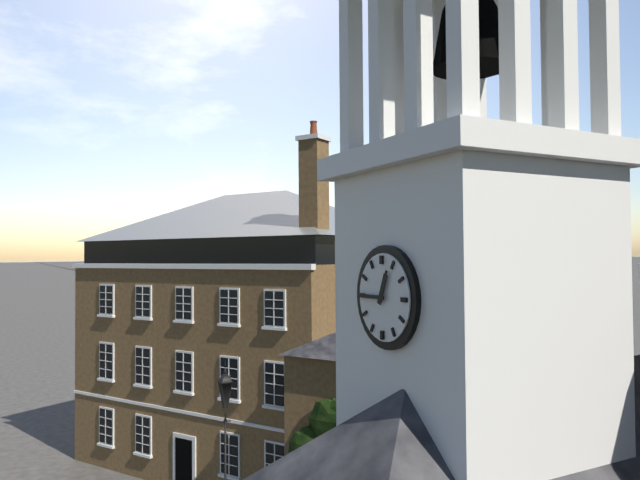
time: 12:45
